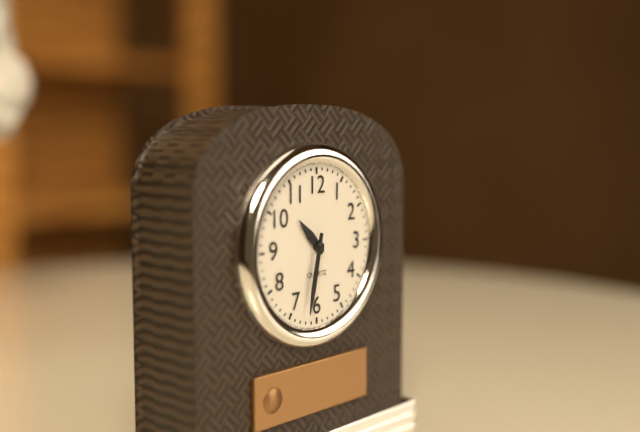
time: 10:32
